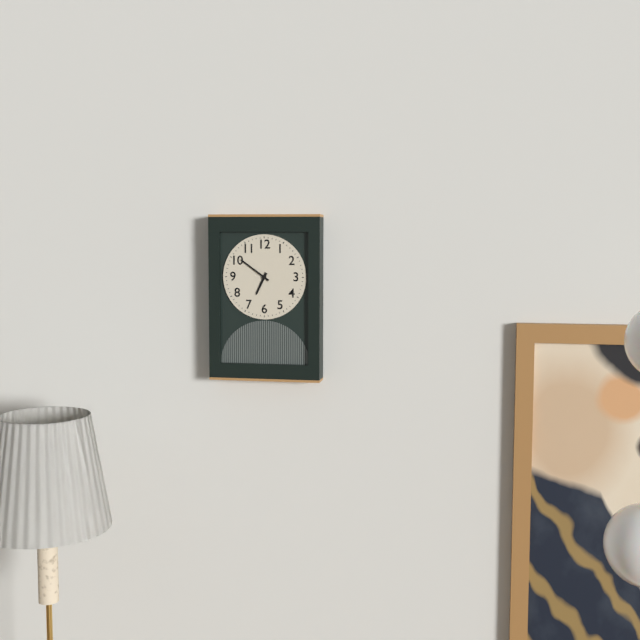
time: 6:51
